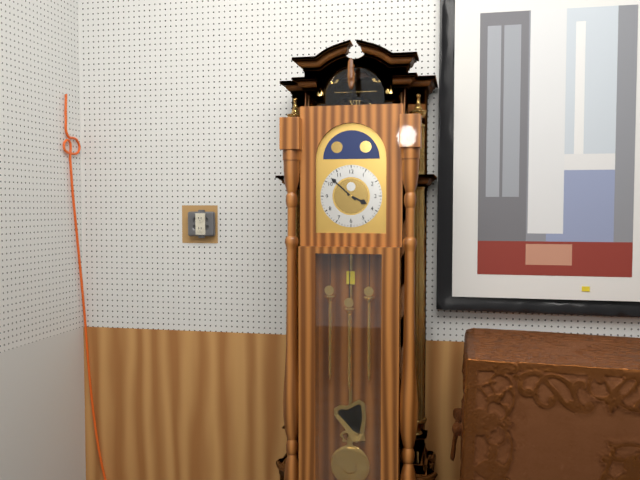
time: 3:52
